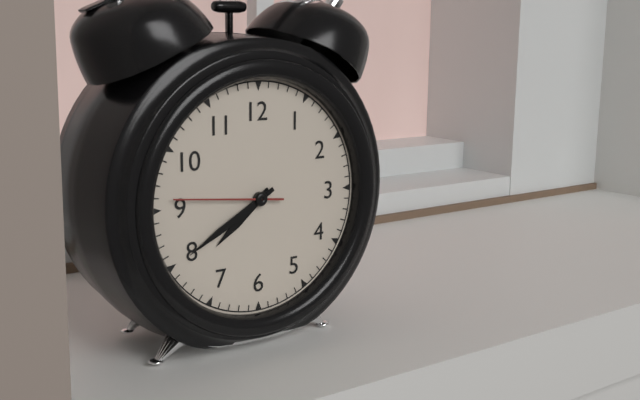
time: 7:40:46
